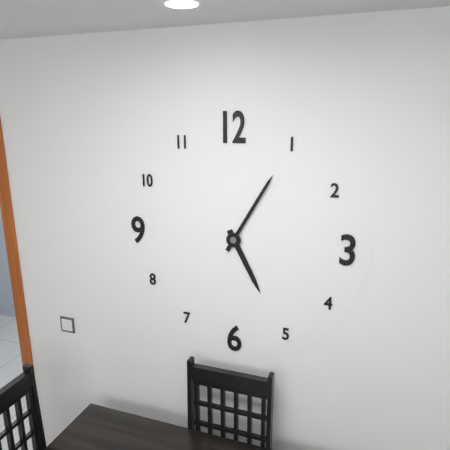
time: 5:05
